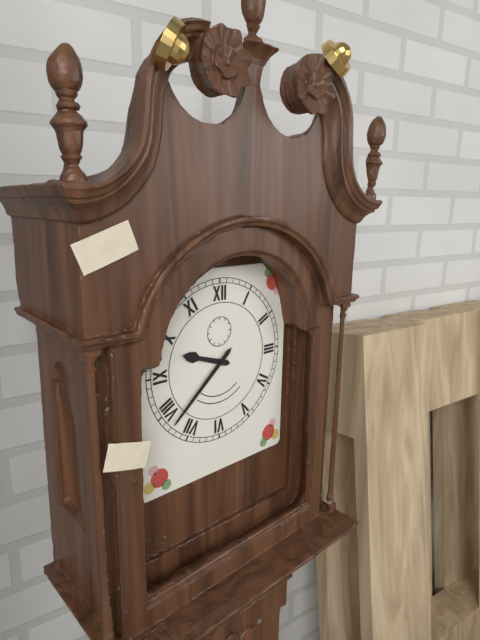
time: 9:38
